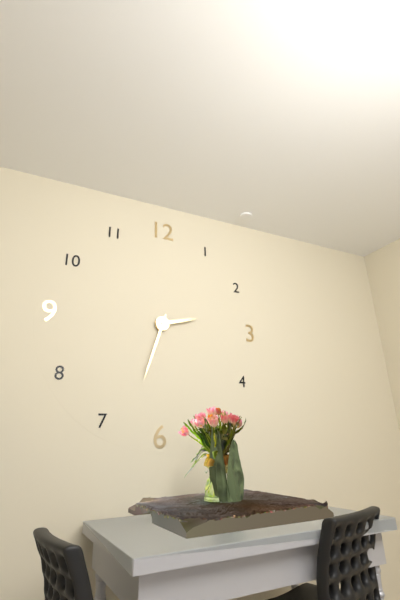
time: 2:33
